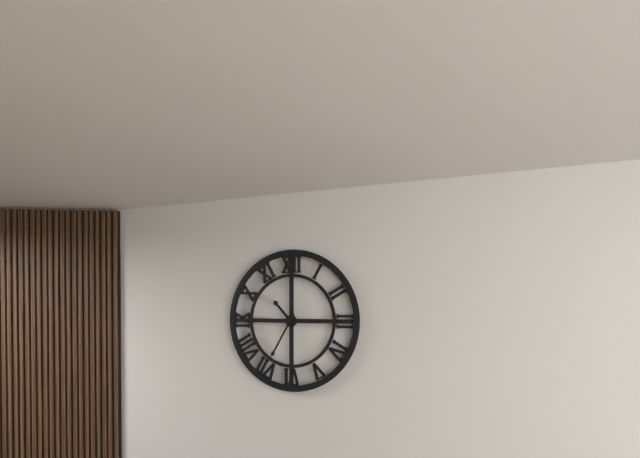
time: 10:35
